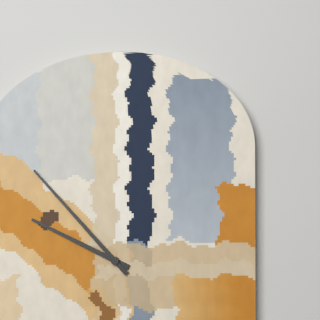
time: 9:53
